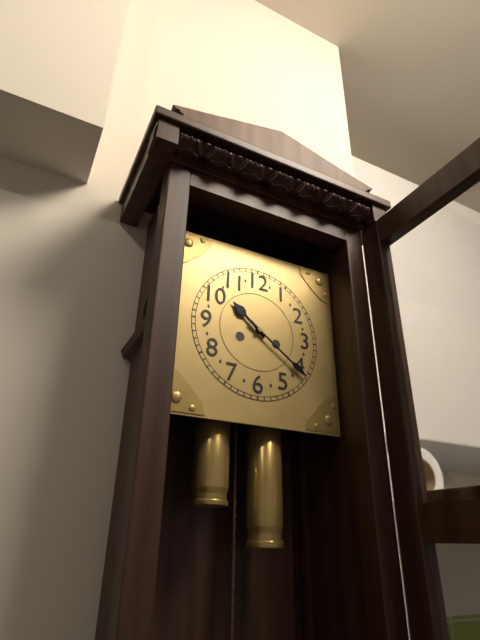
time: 10:21
